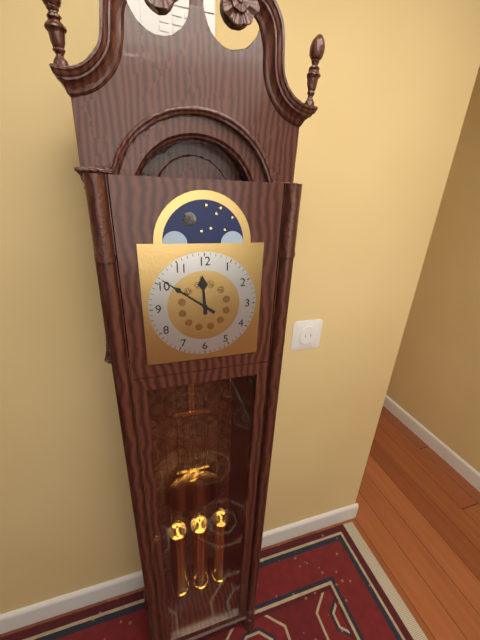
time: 11:51
